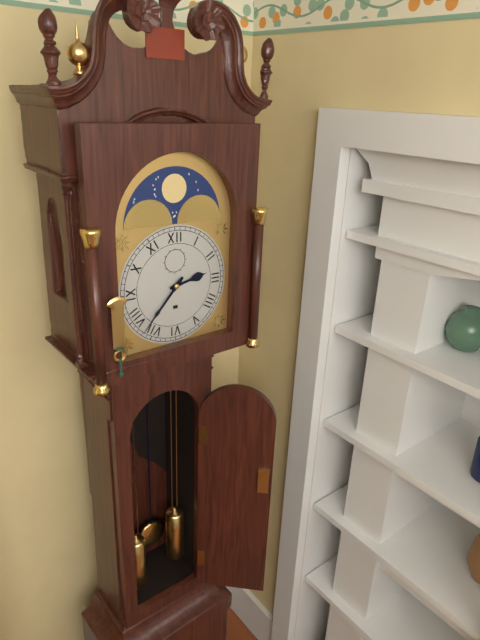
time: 2:37
